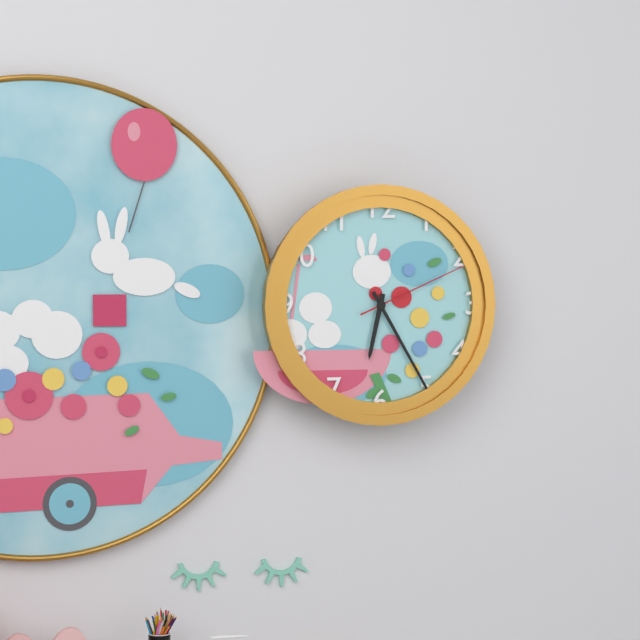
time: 6:25:11
